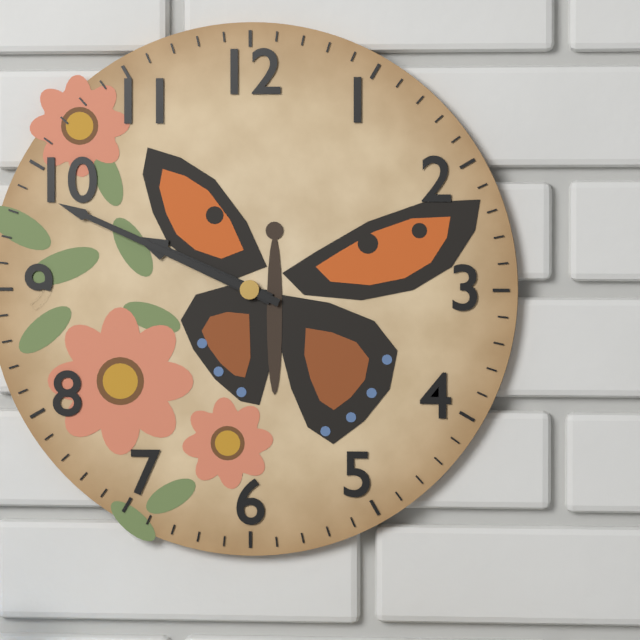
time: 9:49
